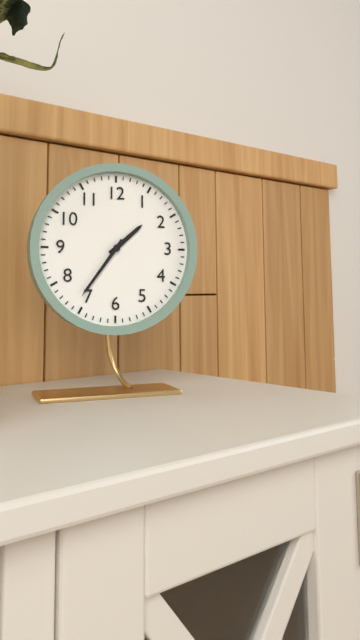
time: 1:36
